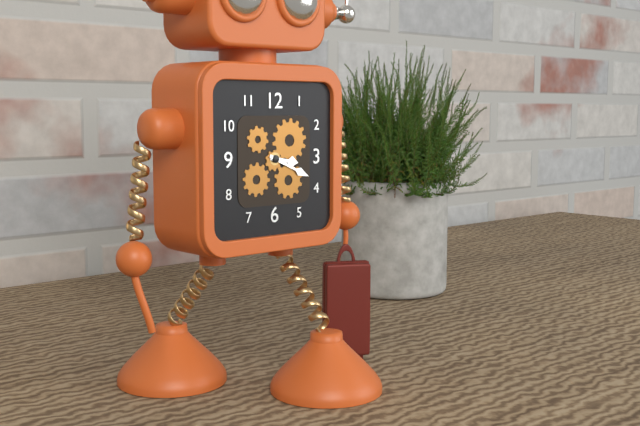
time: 3:19
